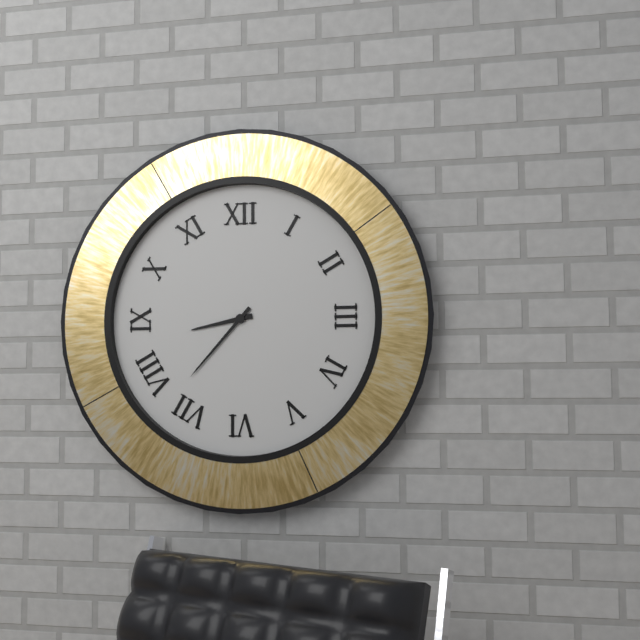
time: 8:37
